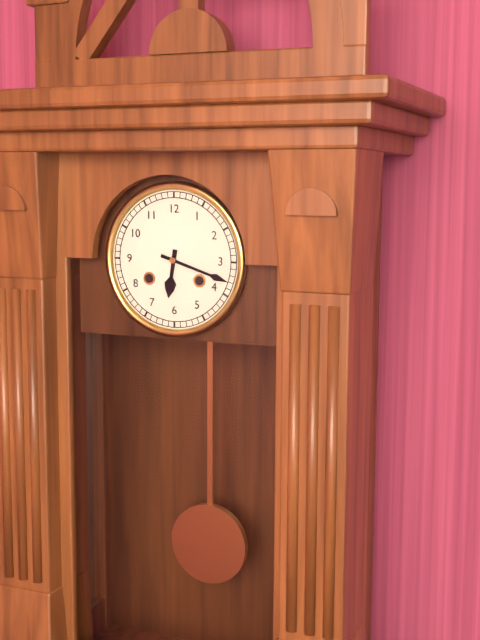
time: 6:18
